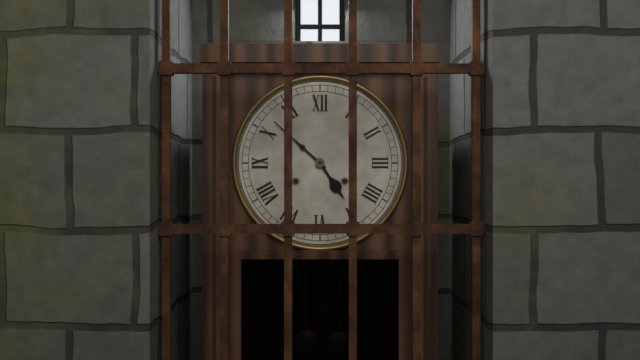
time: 4:52
